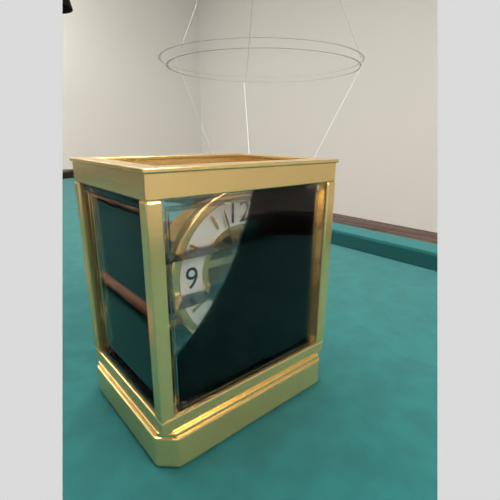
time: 5:57
